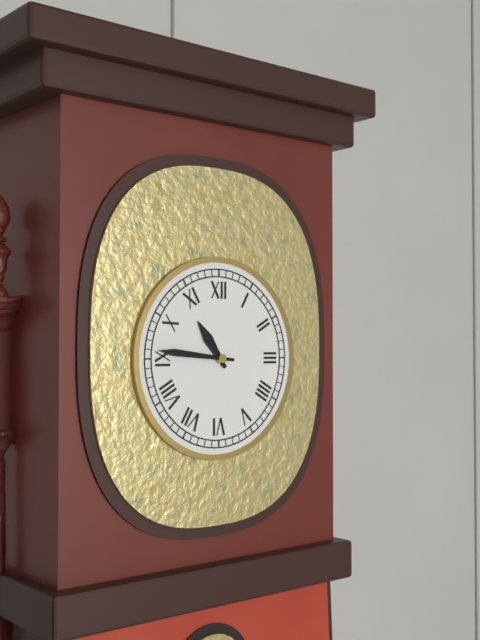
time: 10:46
